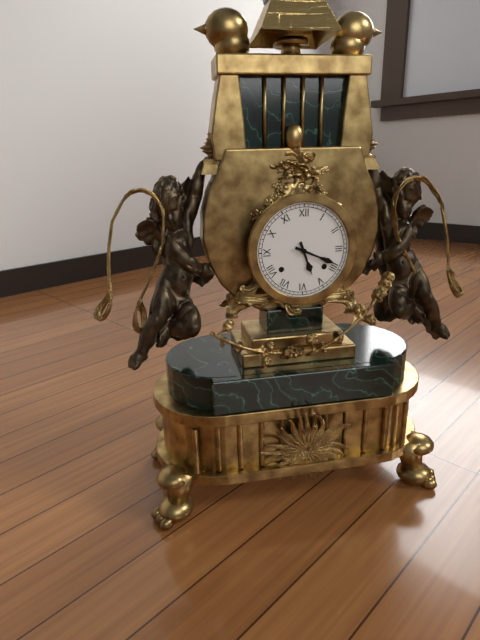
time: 5:19
